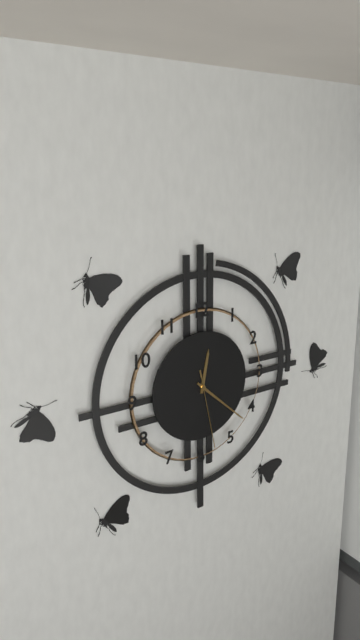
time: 12:22:28
